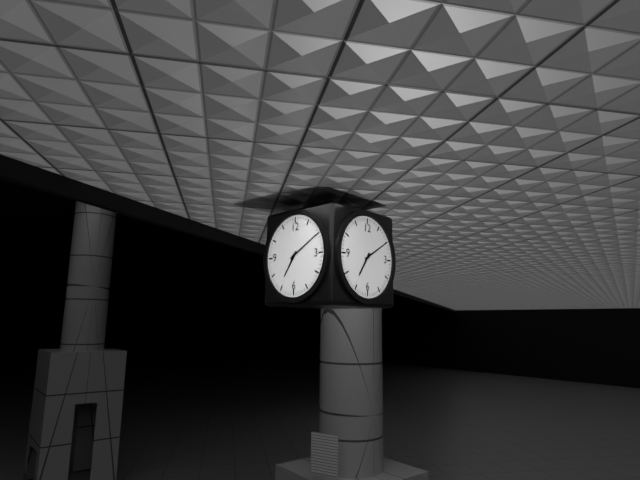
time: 7:10
